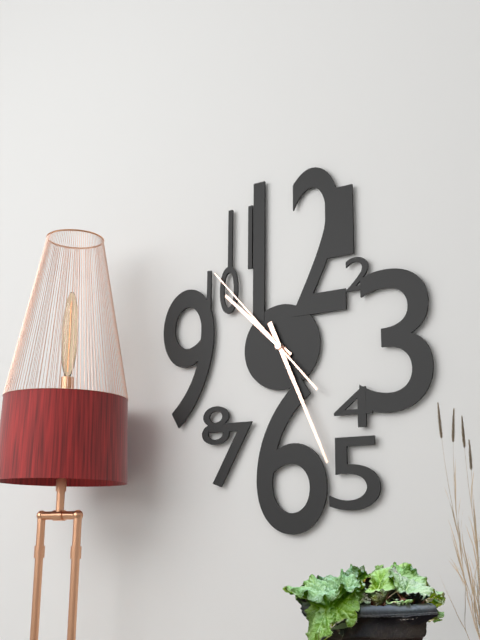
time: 10:26:53
